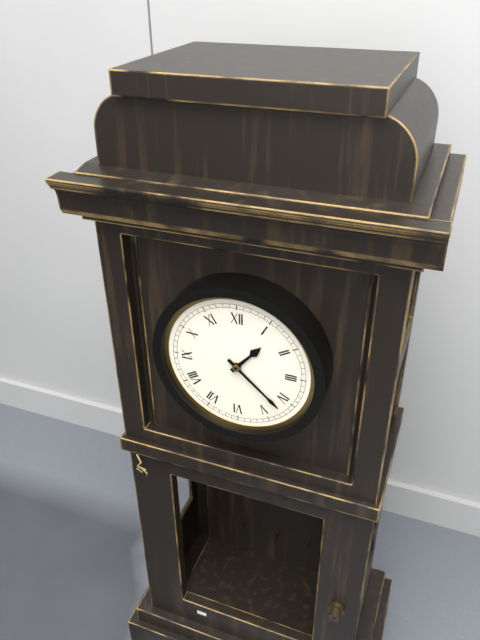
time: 1:22
